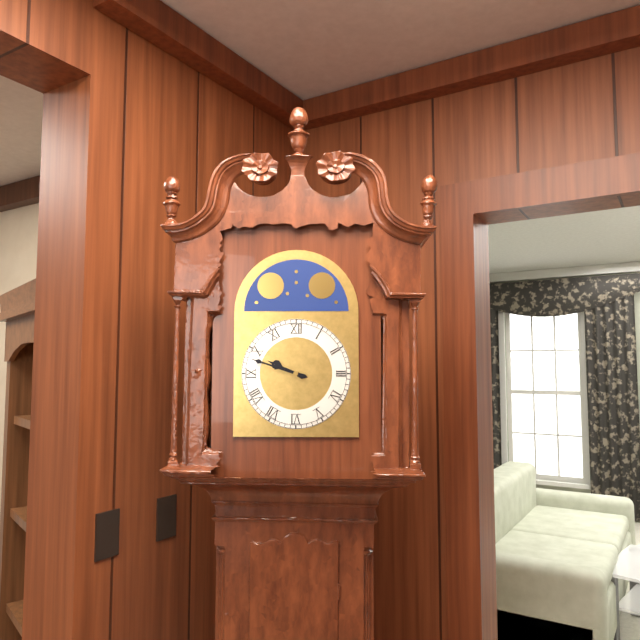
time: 9:48
